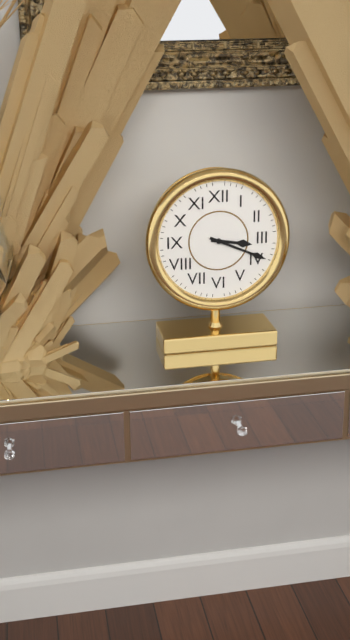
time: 3:19
